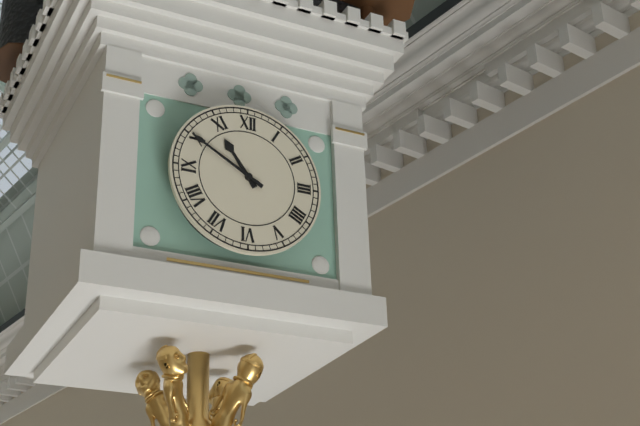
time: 10:50
